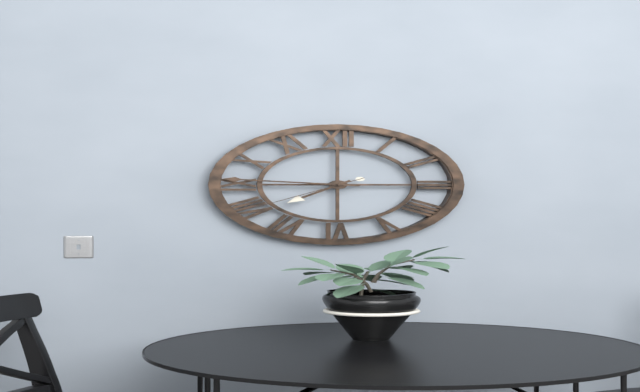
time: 7:46:40
